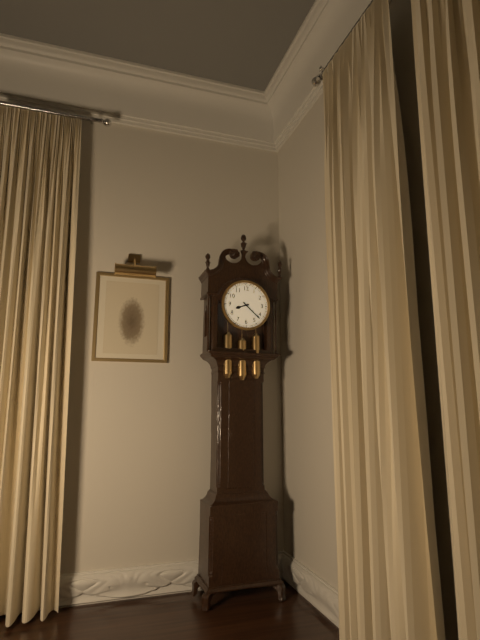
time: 8:22
